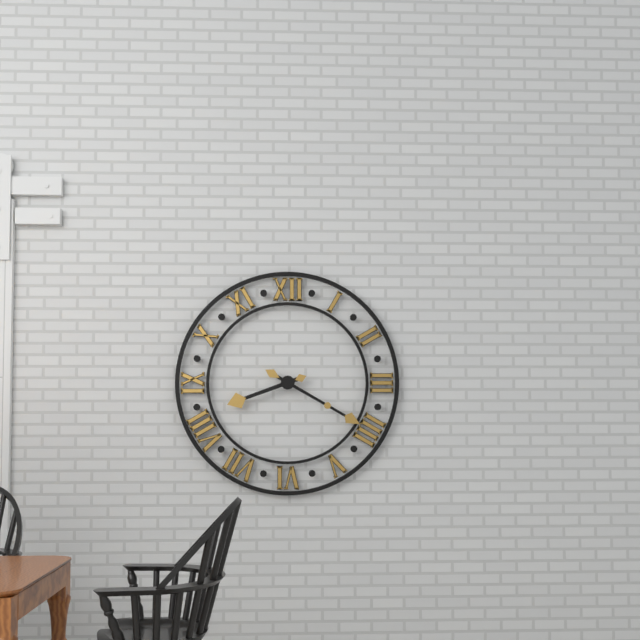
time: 8:20
